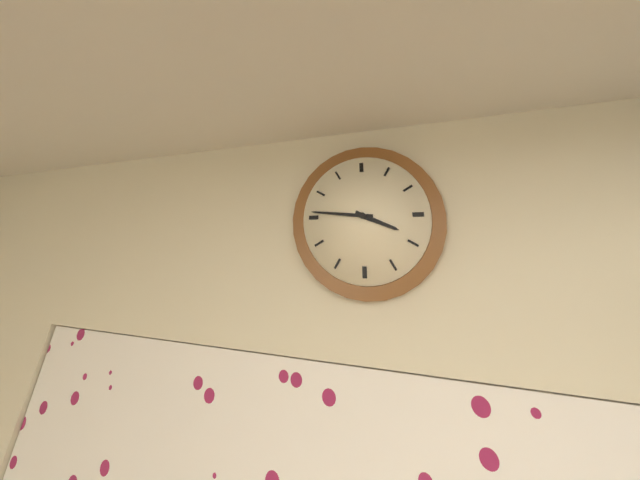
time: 3:46
